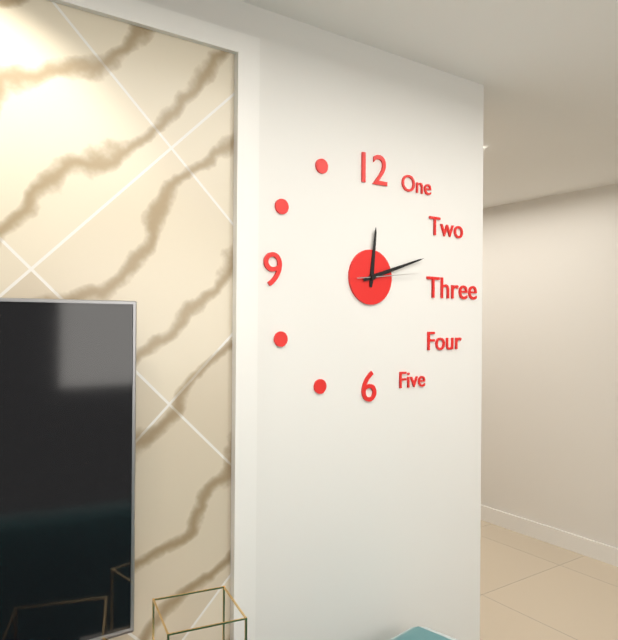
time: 12:12:14
